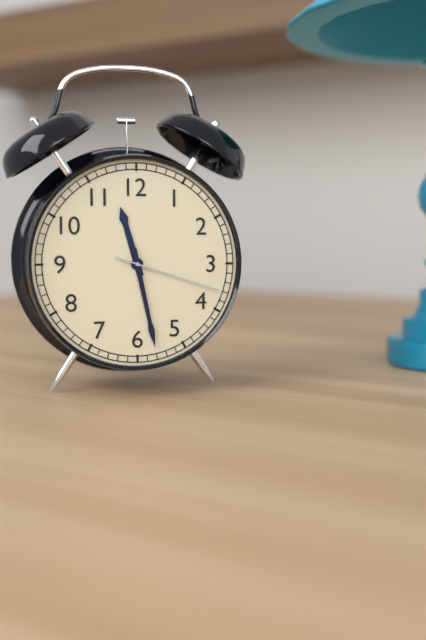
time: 11:28:18
